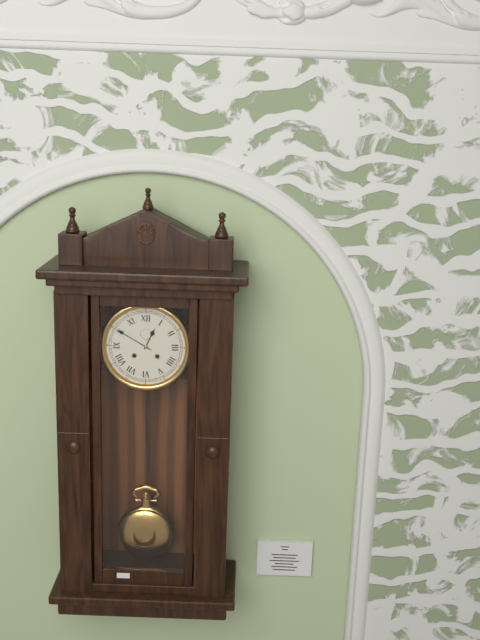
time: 12:50
